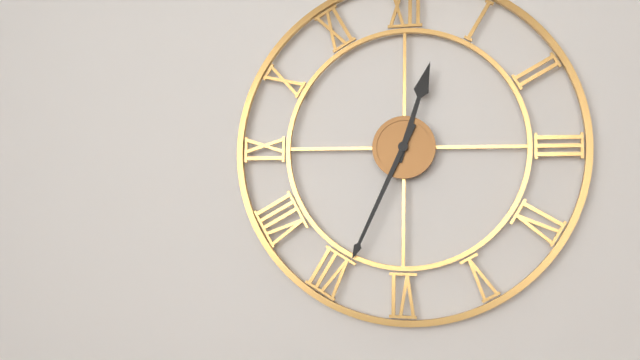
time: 12:34
